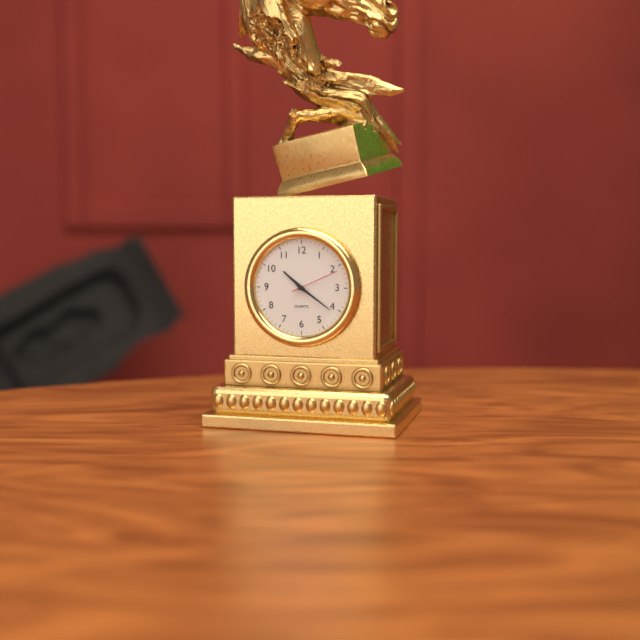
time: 10:21
